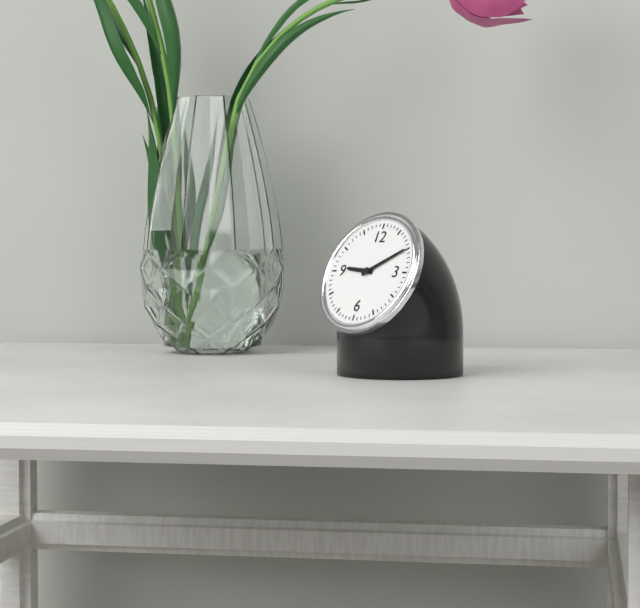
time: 9:10
